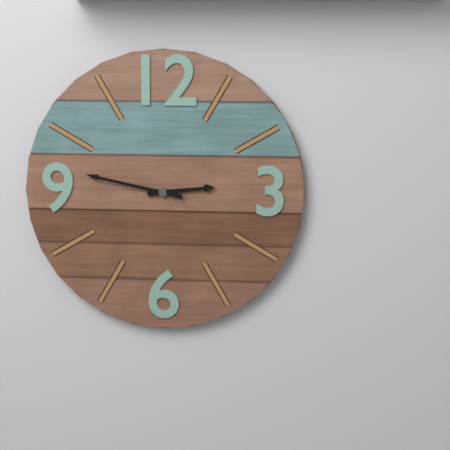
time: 2:47
